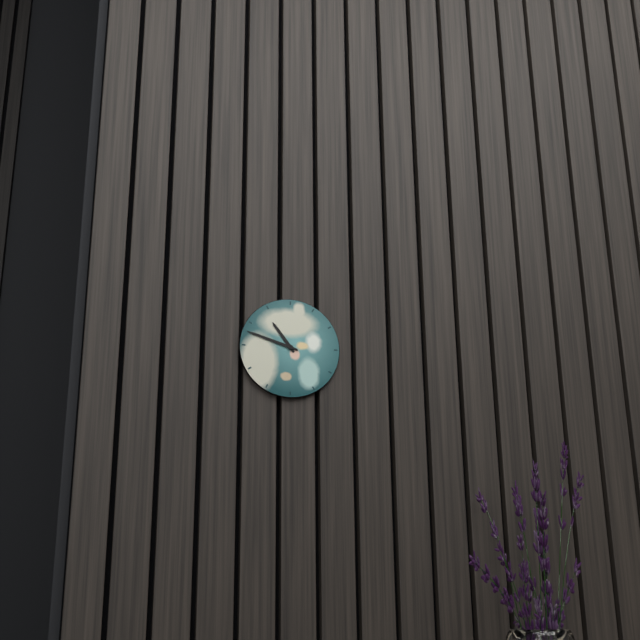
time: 10:48
